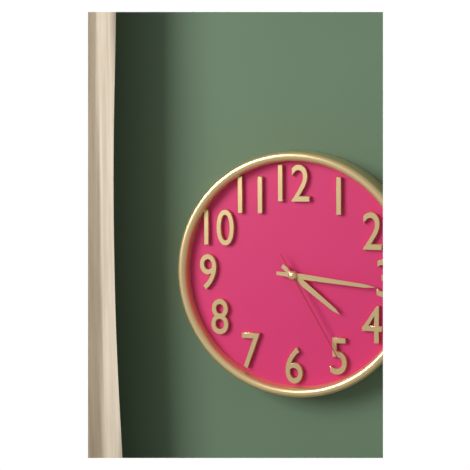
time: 4:16:25
